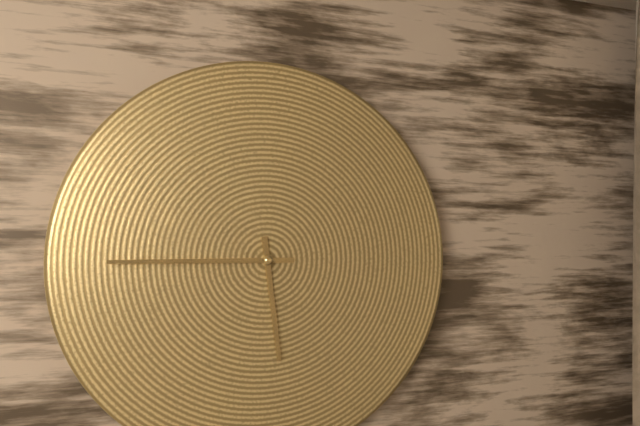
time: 5:45
